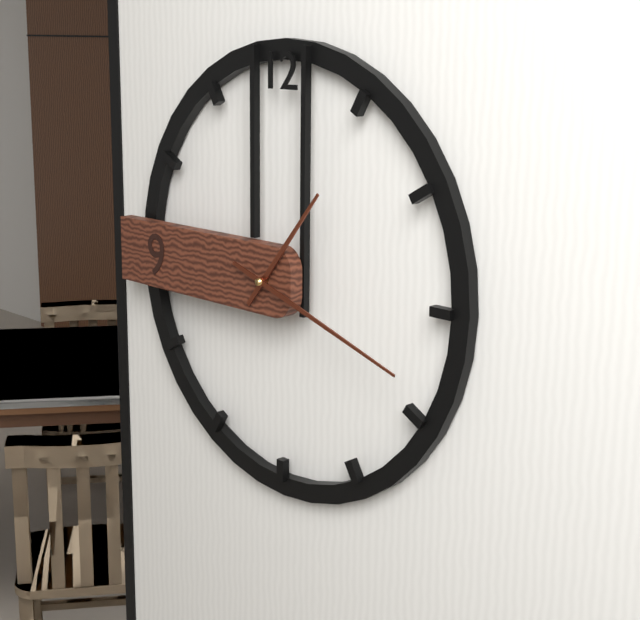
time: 1:18
